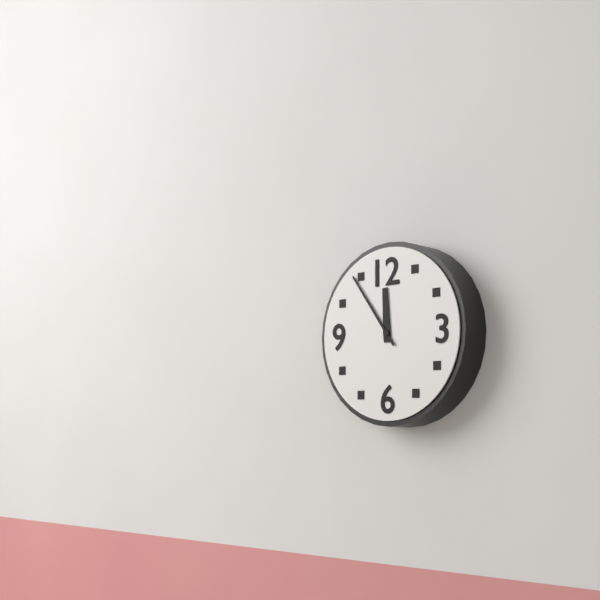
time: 11:54
